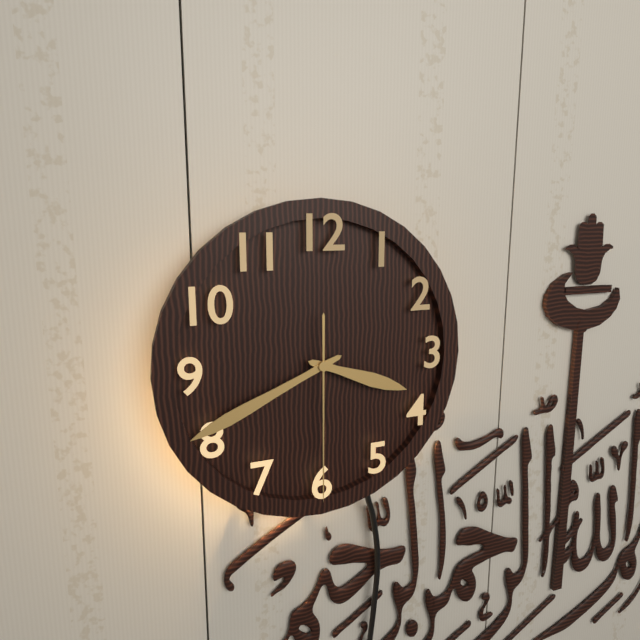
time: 3:41:30
